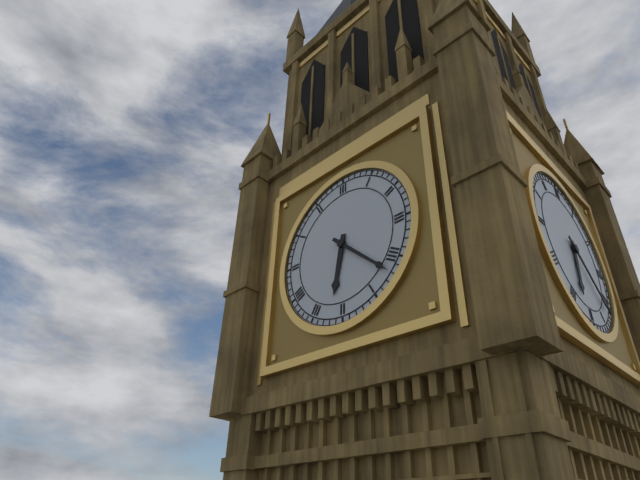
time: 6:22
